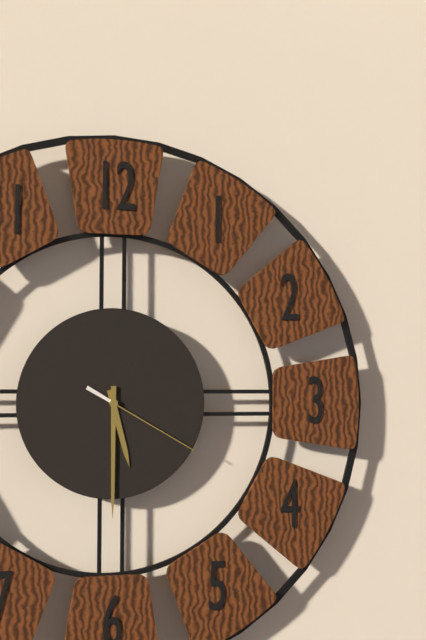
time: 5:30:20
